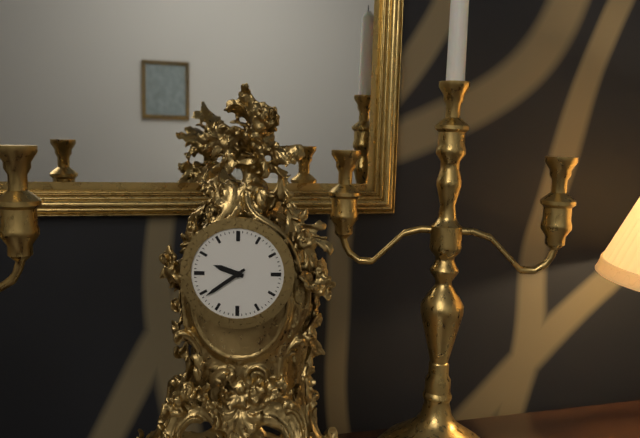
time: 9:39
